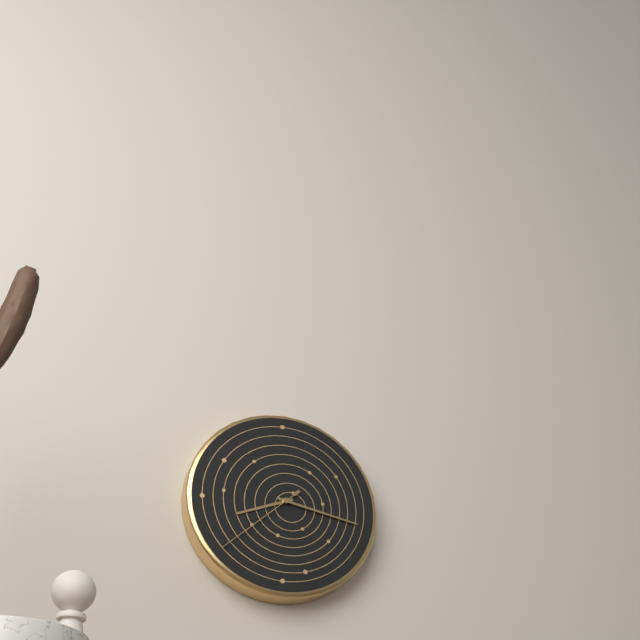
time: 8:17:38
